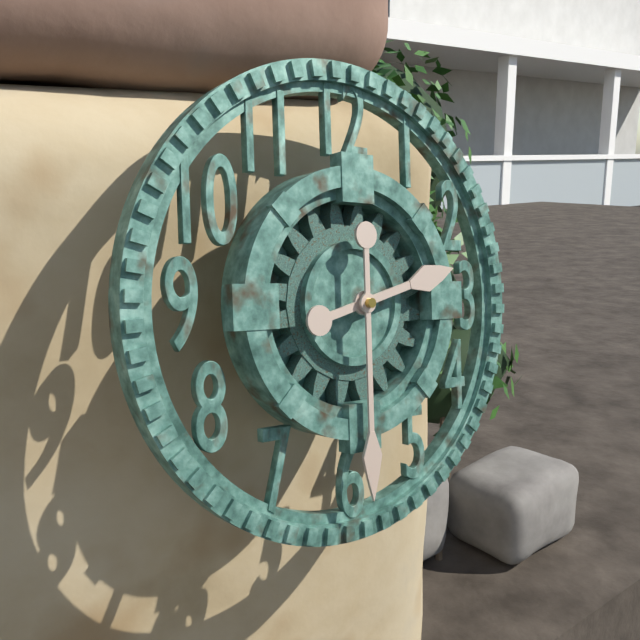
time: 2:30
